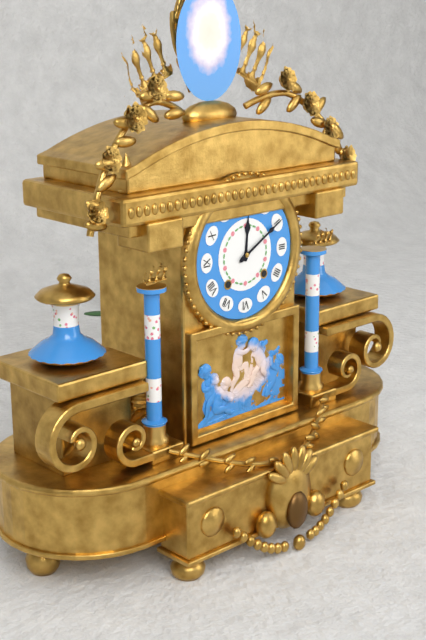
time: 12:10
